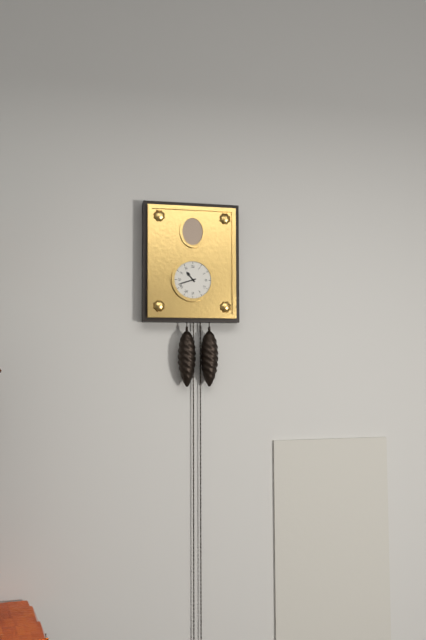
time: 10:42
